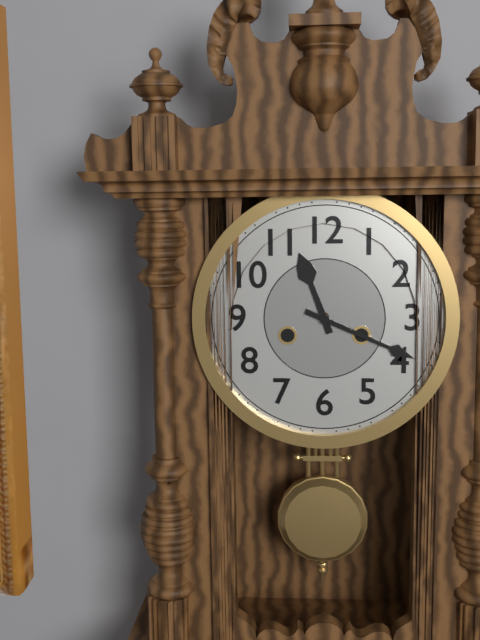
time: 11:19
